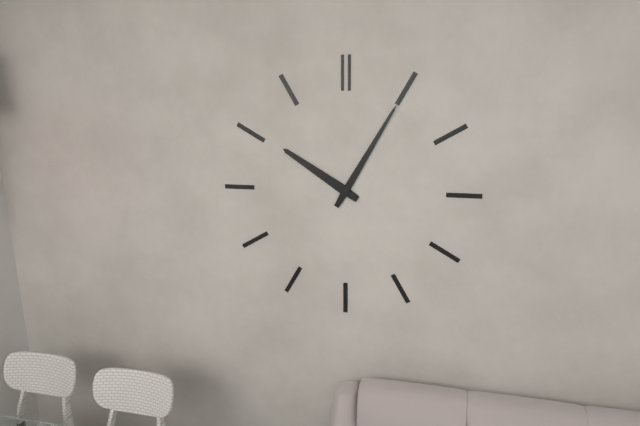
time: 10:05
